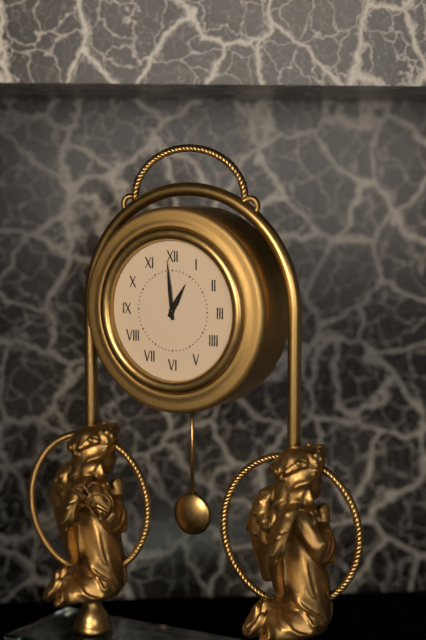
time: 12:59
